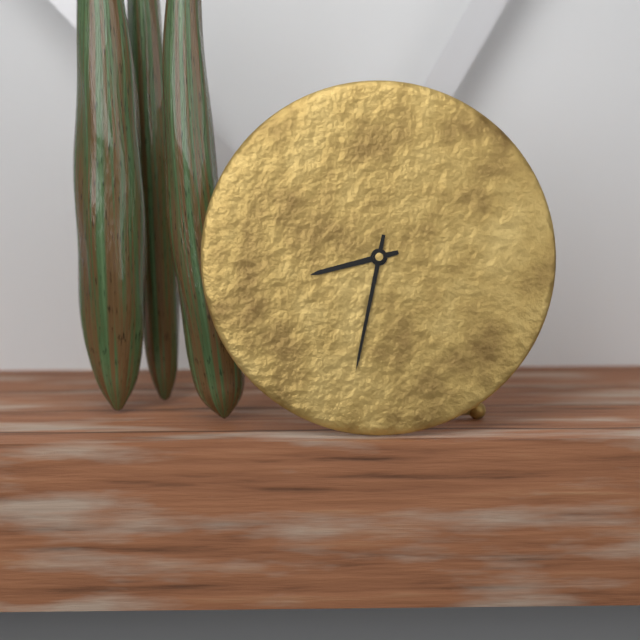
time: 8:32
